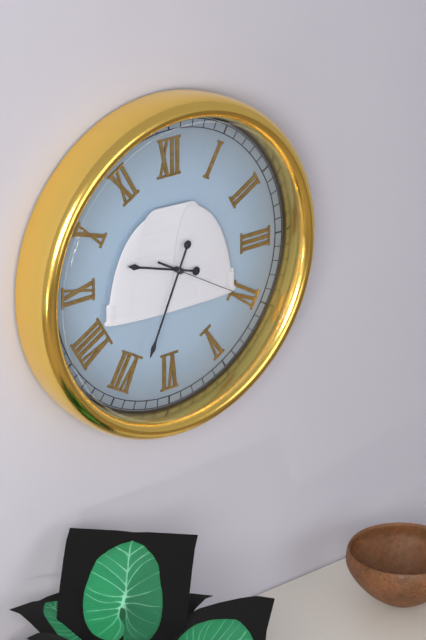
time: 9:34:20
